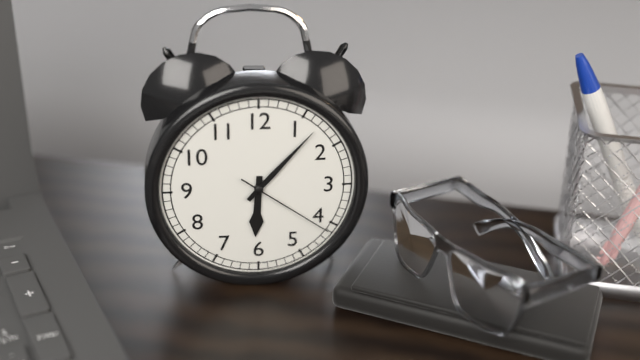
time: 6:07:21
